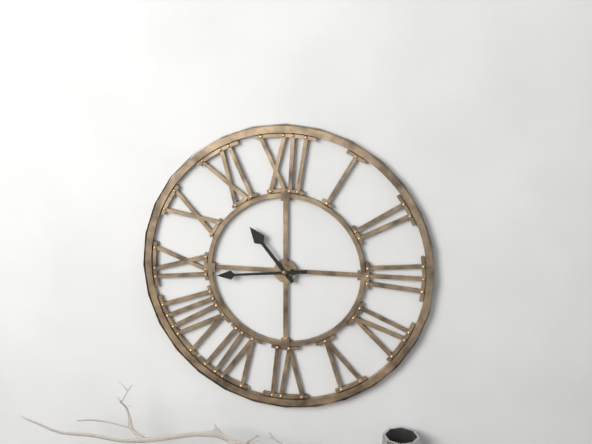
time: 10:44
